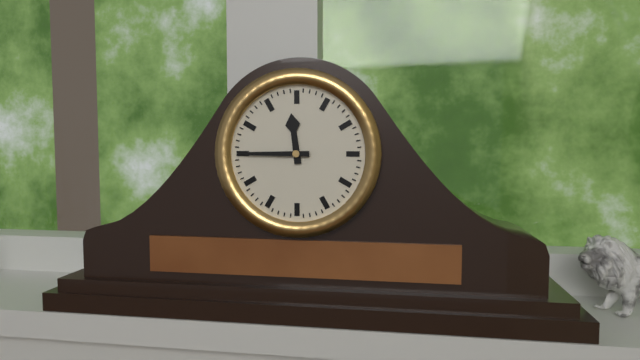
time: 11:45
